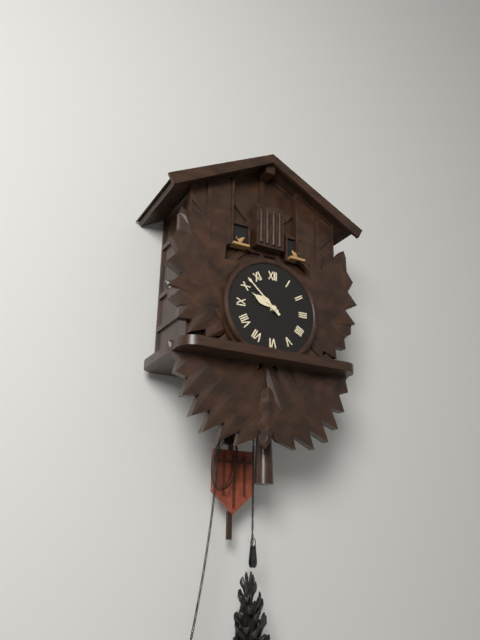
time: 9:52
